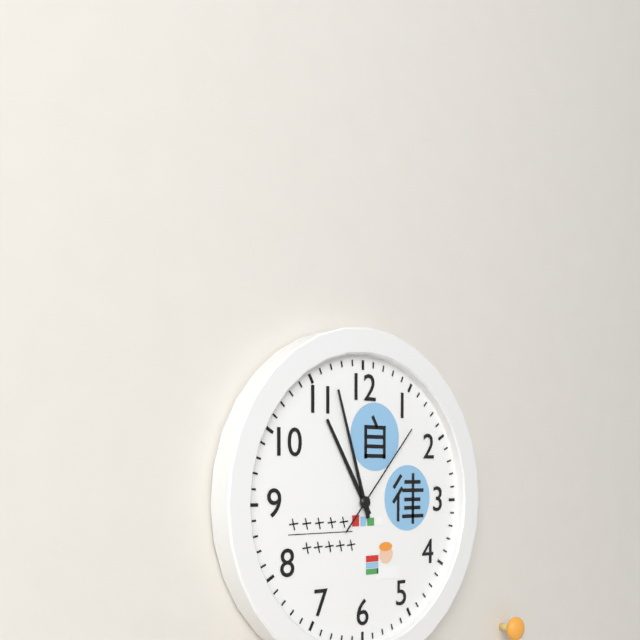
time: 10:57:07
